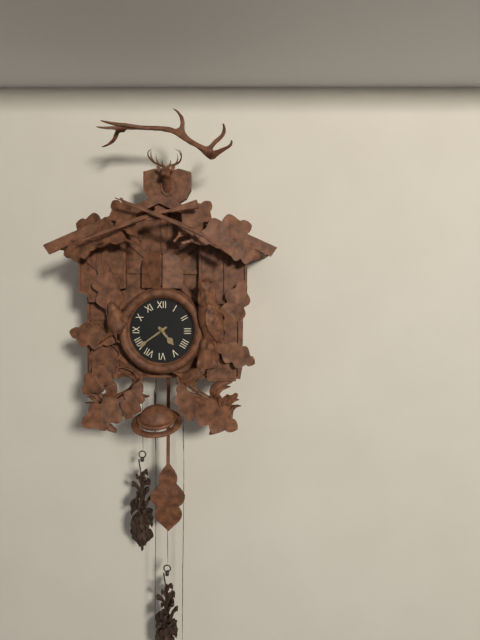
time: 4:39
